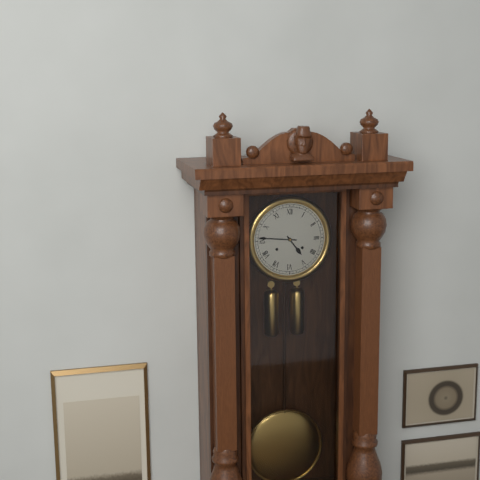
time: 4:46
